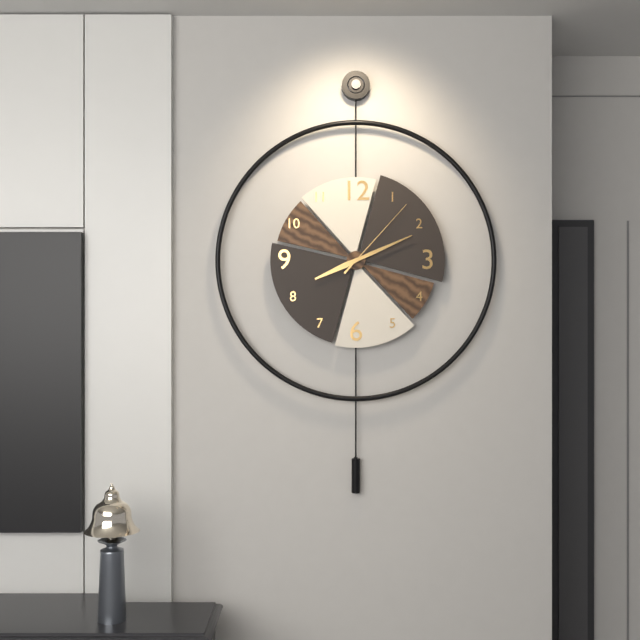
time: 8:11:07
